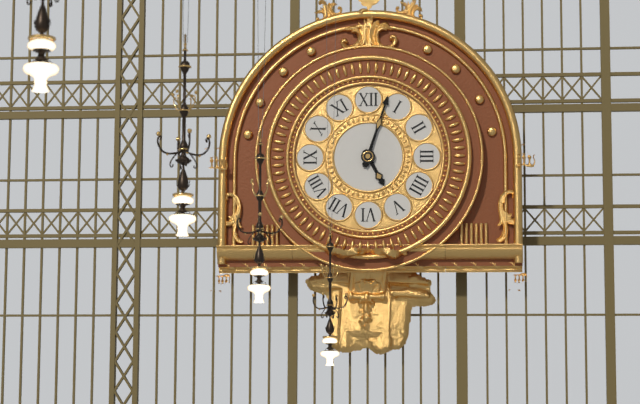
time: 5:03
